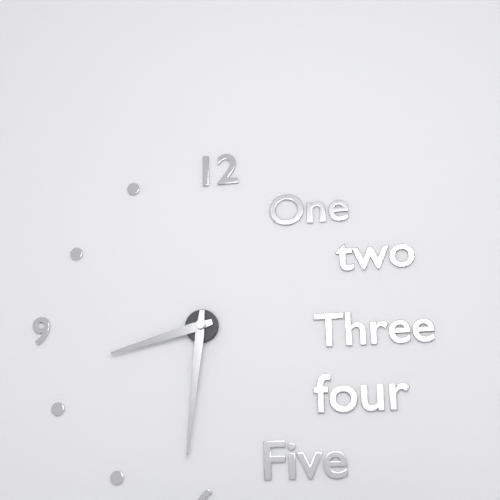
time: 8:31
